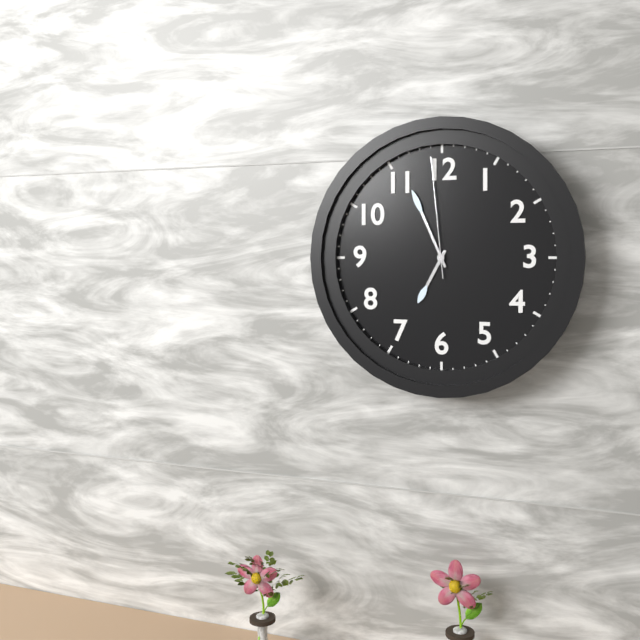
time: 6:56:59
